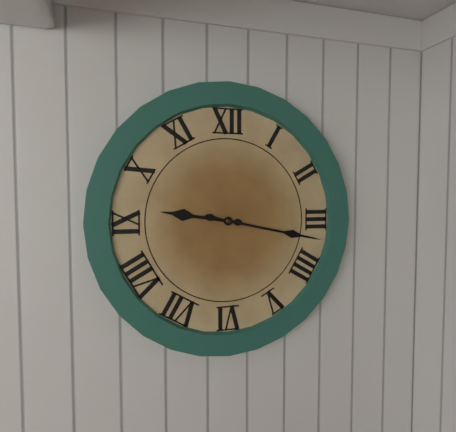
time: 9:17
